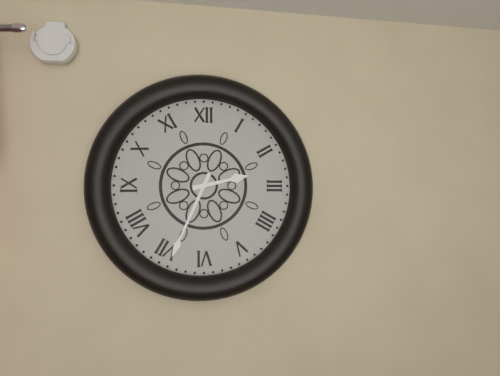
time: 2:34
